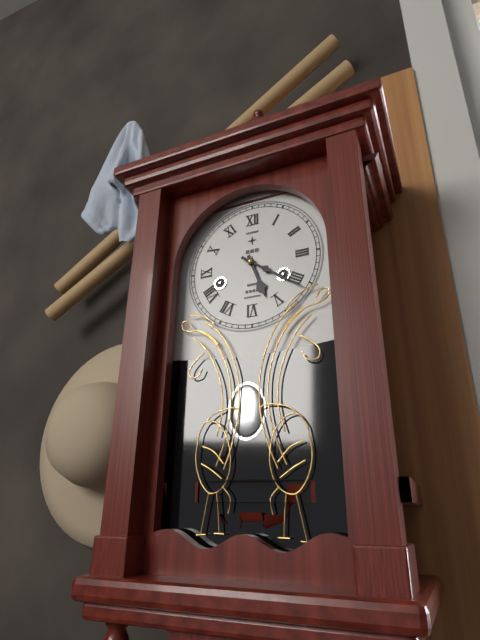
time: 5:21
